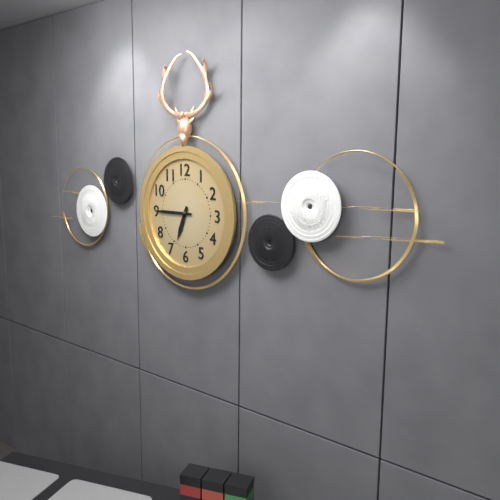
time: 6:45
